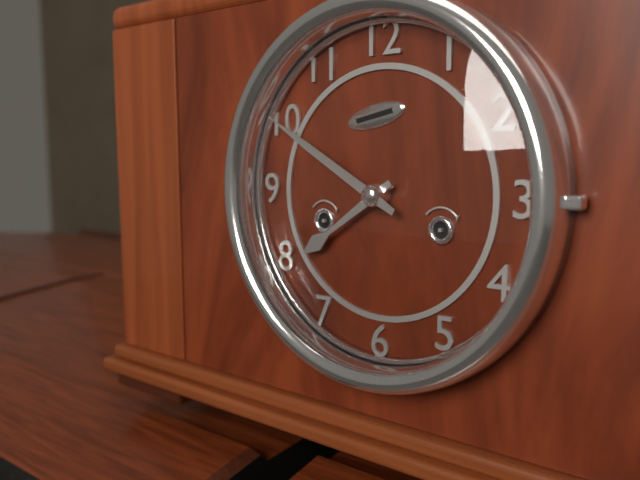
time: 7:50
